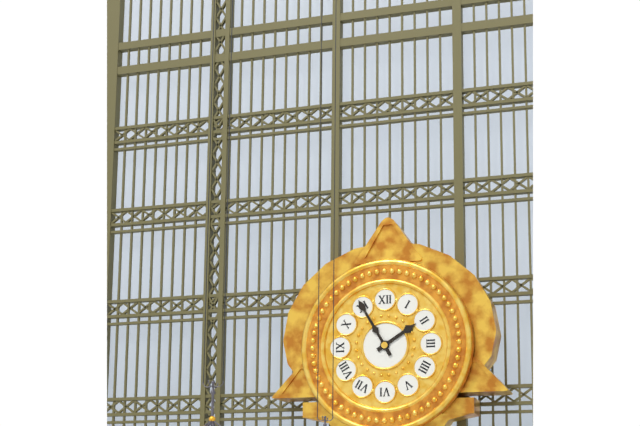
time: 1:55
